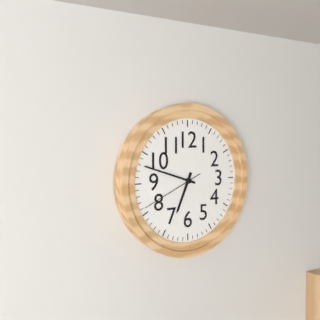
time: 6:48:41
